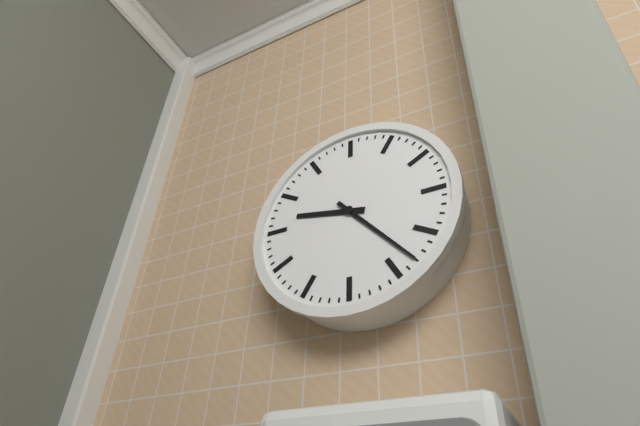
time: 9:23
